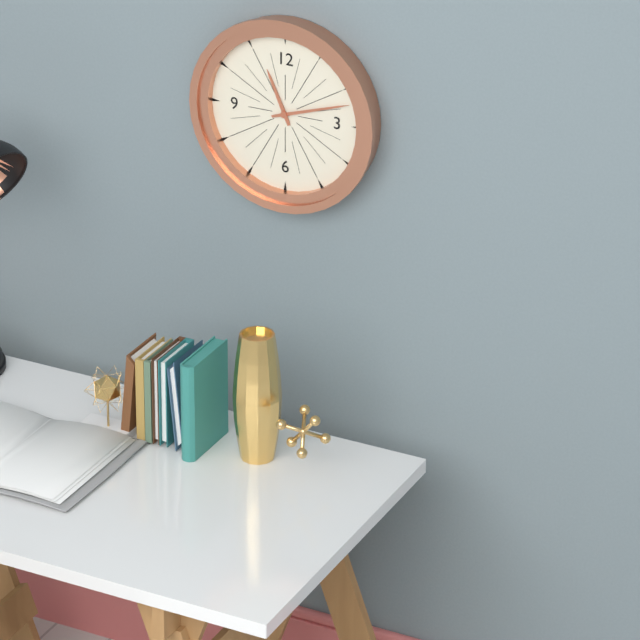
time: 11:12
